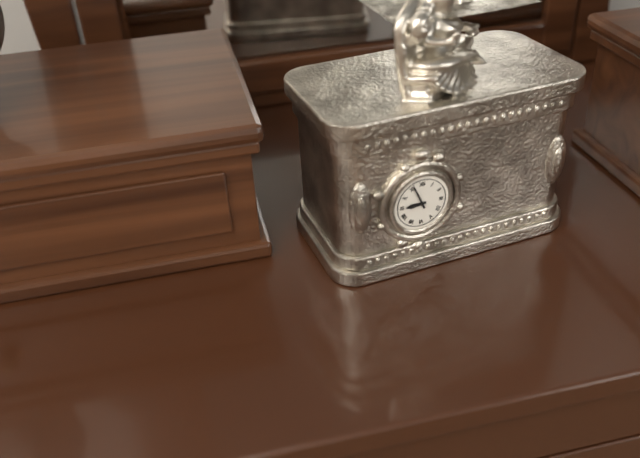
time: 8:56
